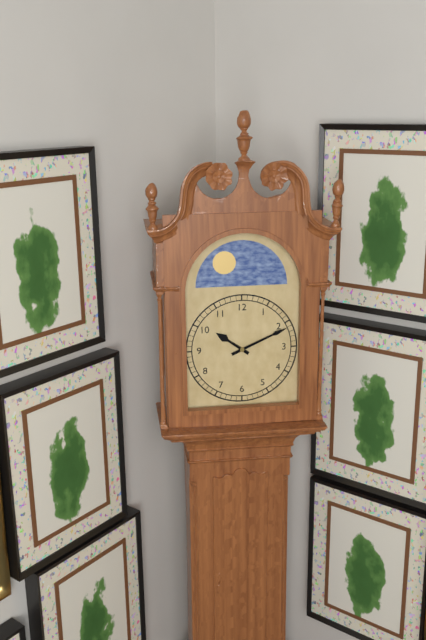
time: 10:11
